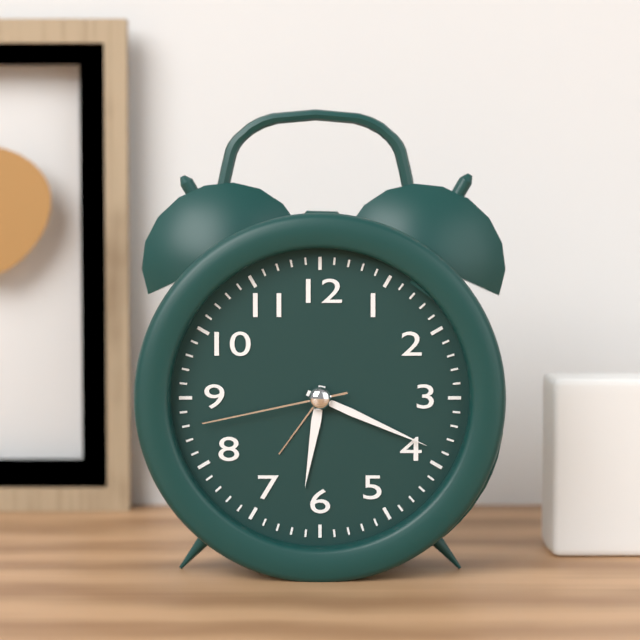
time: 6:19:43
